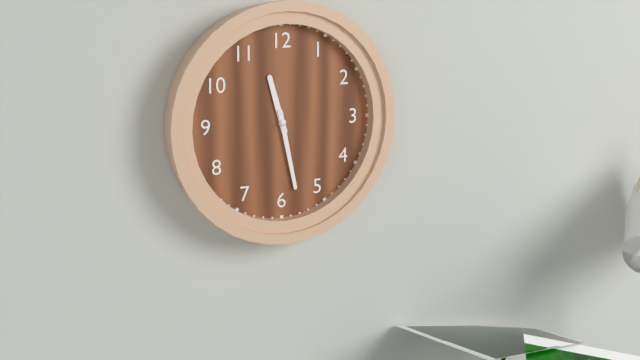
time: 11:28
